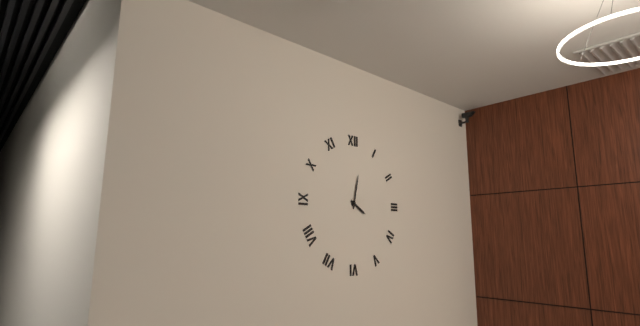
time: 4:02
